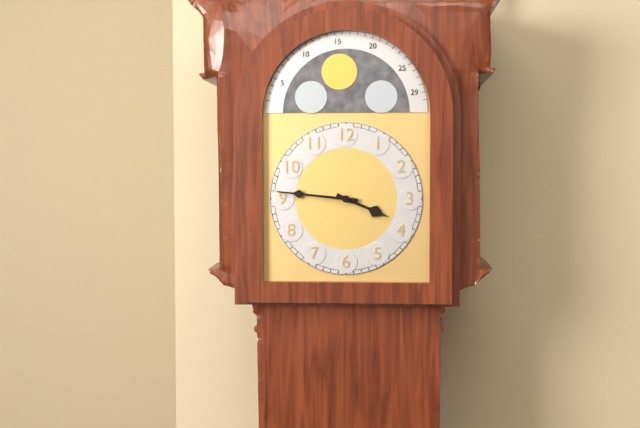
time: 3:46
